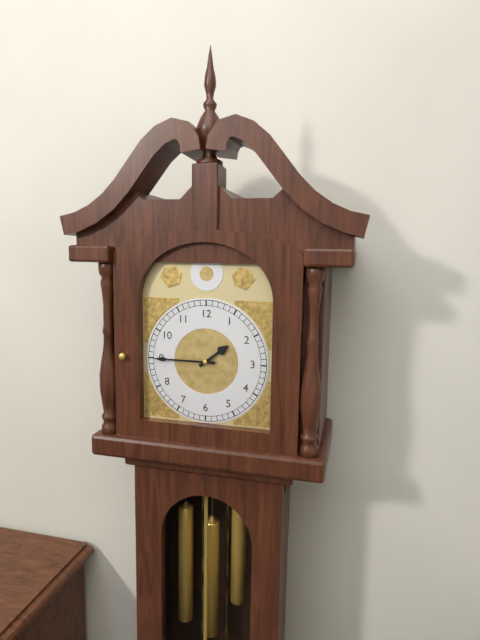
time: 1:45
